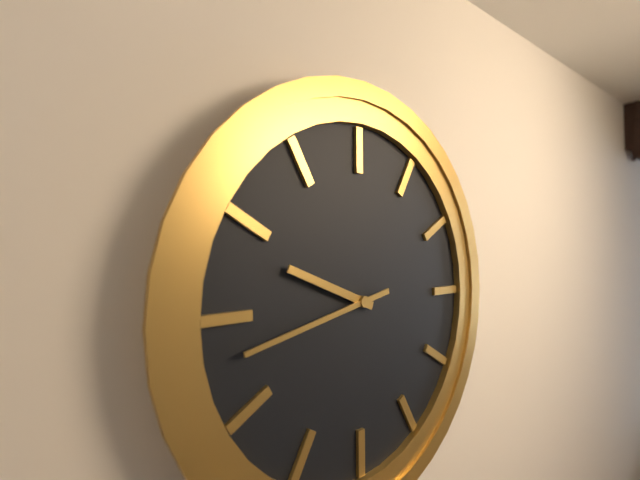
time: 9:43
